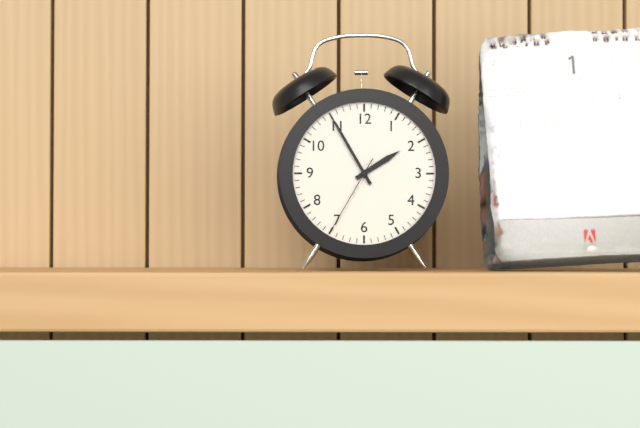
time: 1:55:35
